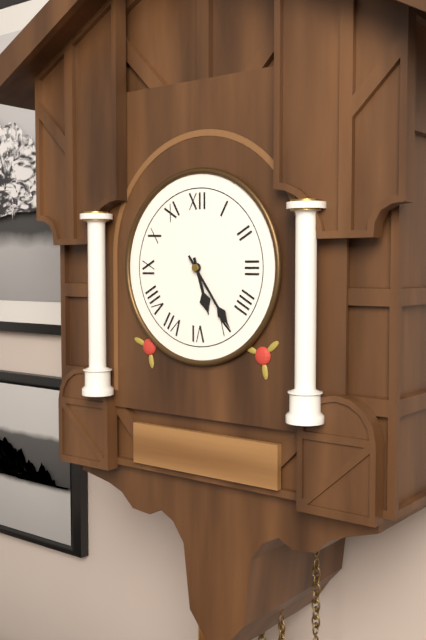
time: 5:24
